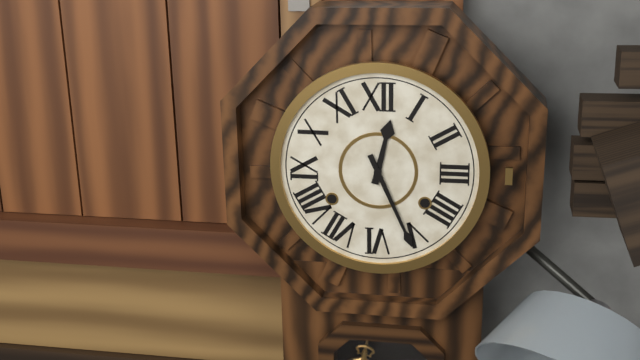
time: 12:26
